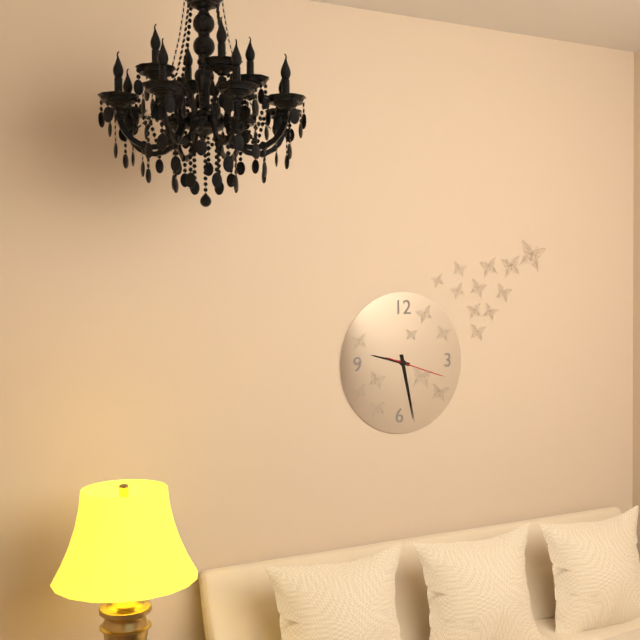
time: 9:28:18
